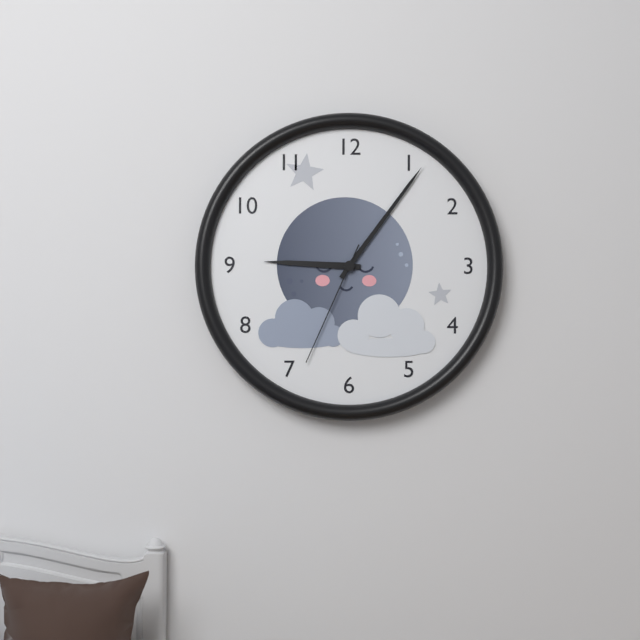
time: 9:06:34
